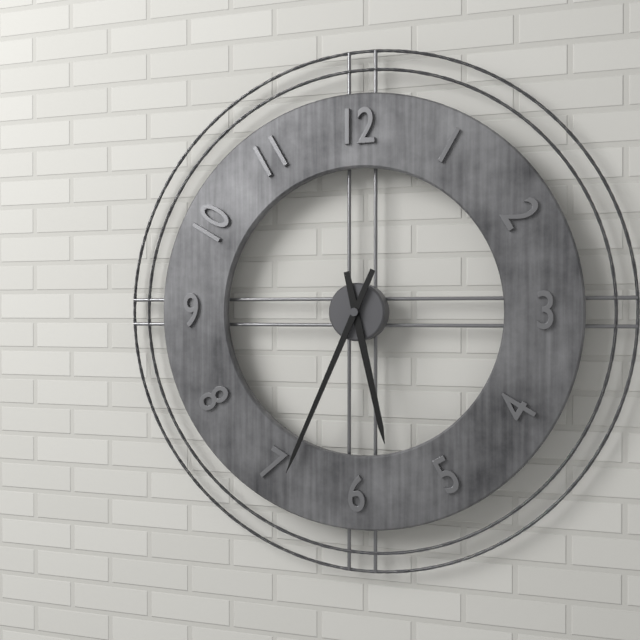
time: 5:34
